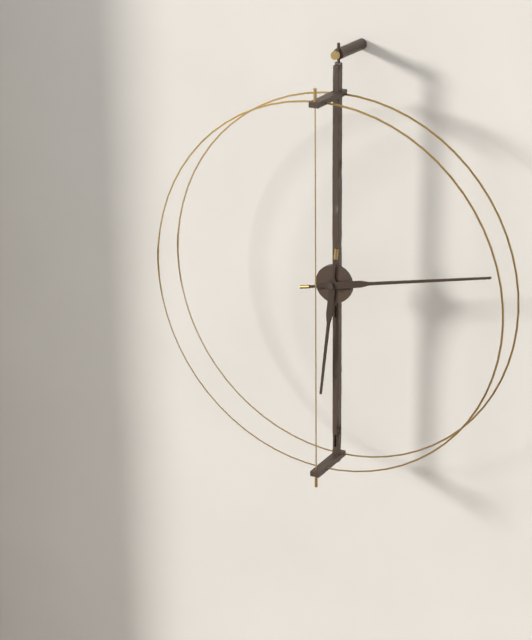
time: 6:13
